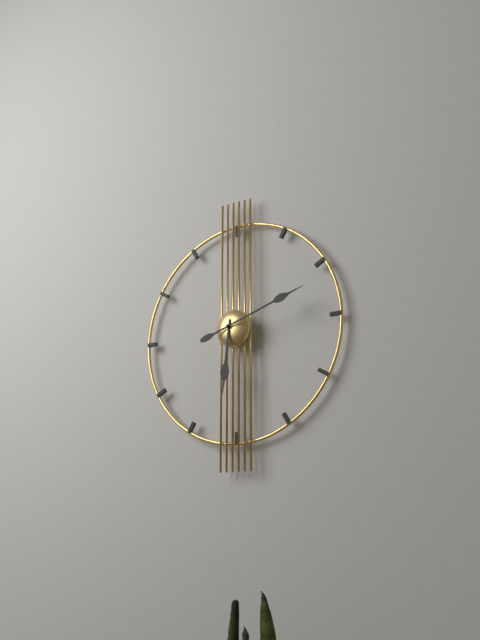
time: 6:12
